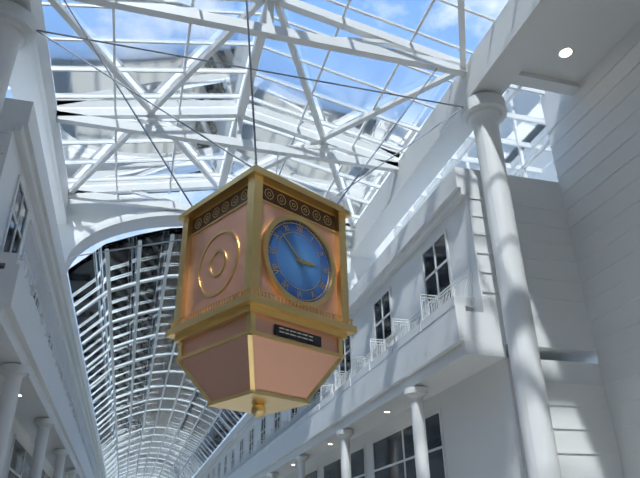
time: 2:52
